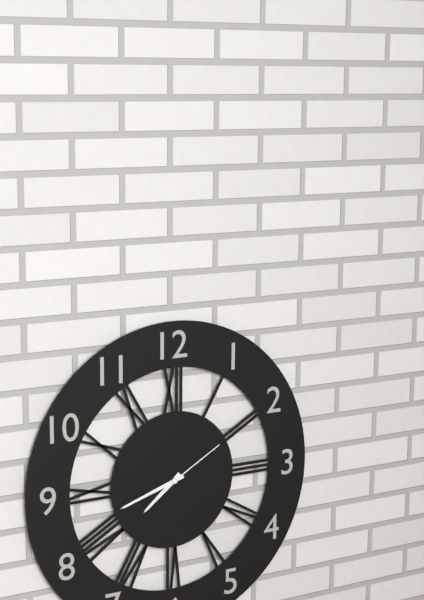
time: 7:42:10
